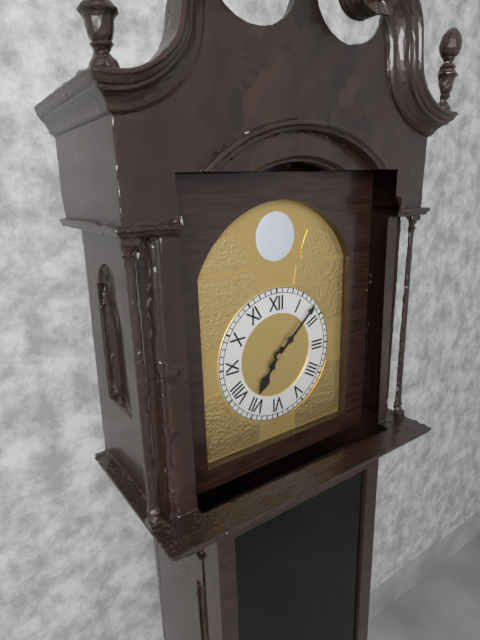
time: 7:08
